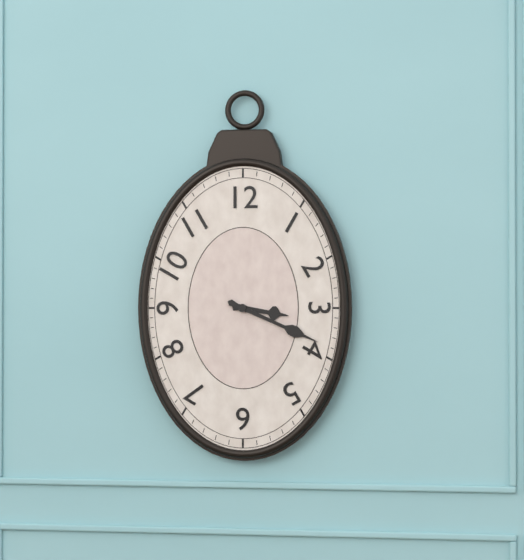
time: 3:19
